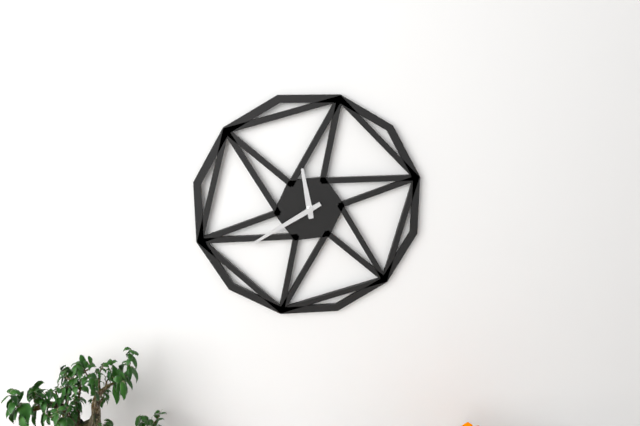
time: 11:40
